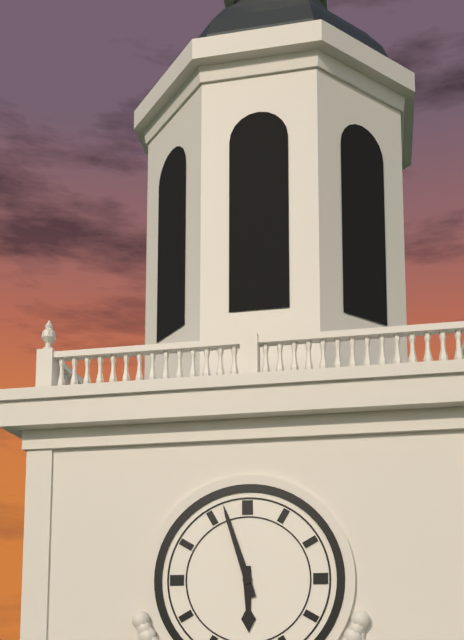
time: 5:57
